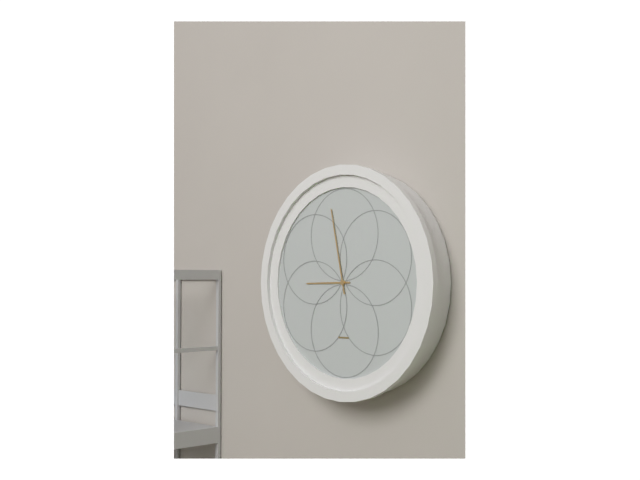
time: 8:58
